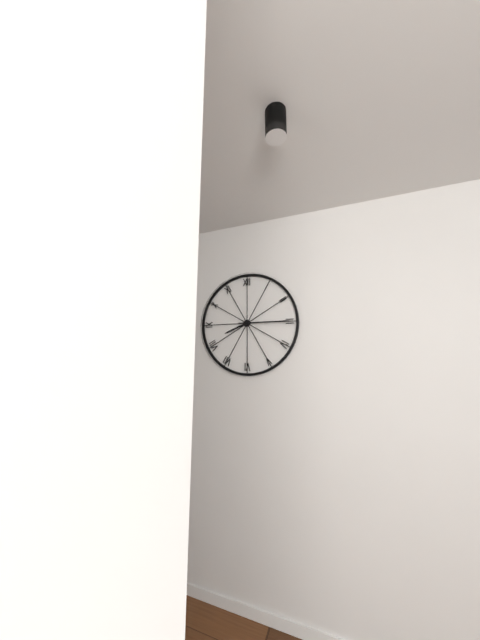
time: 8:15
